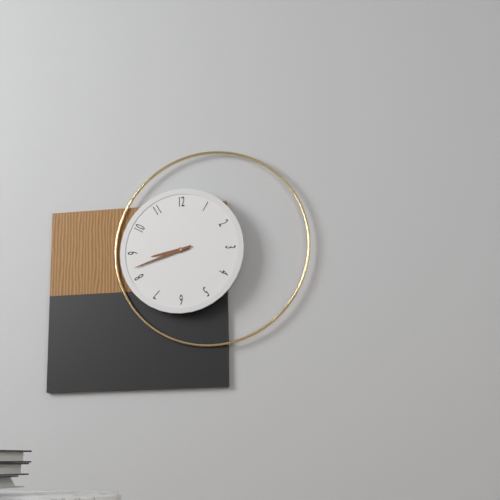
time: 8:42
